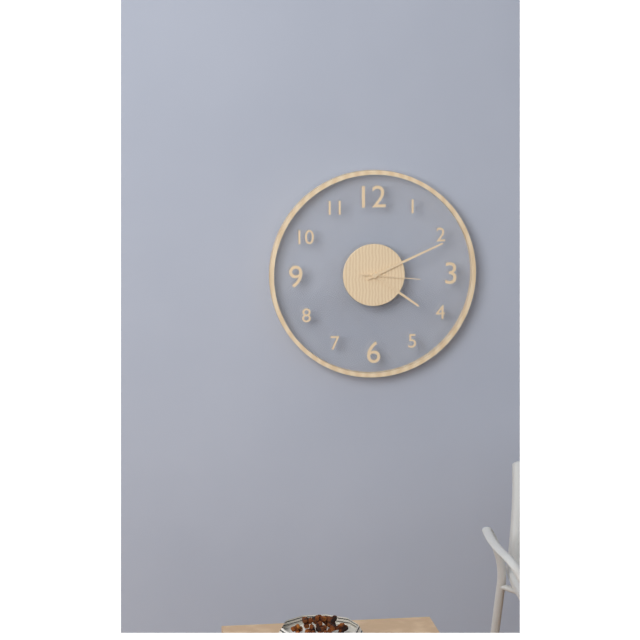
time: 4:11:16
